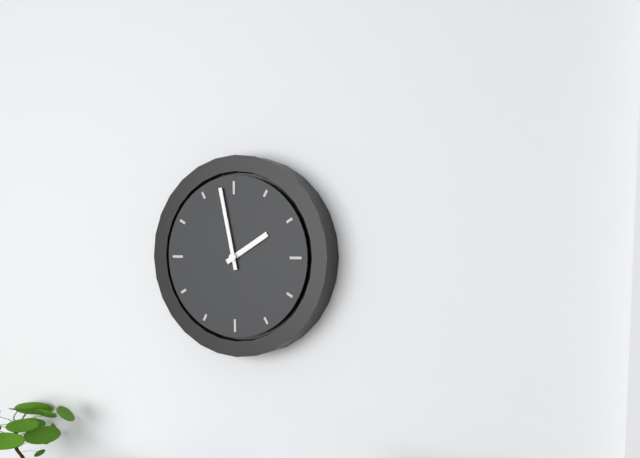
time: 1:58
